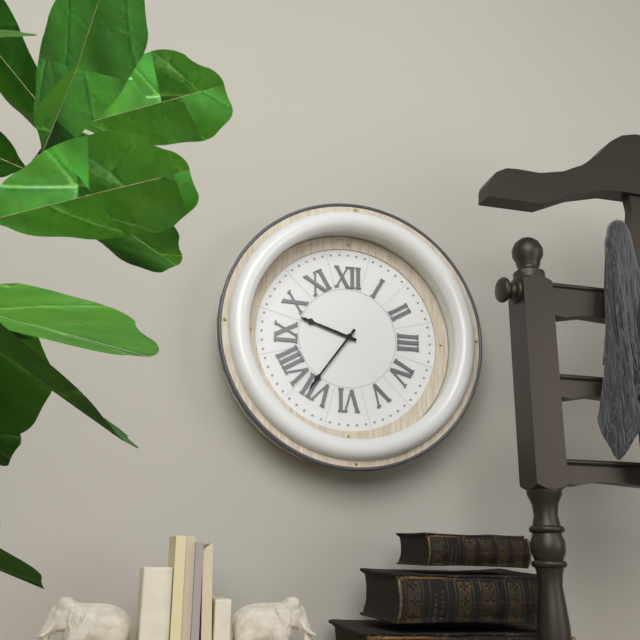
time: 9:36
